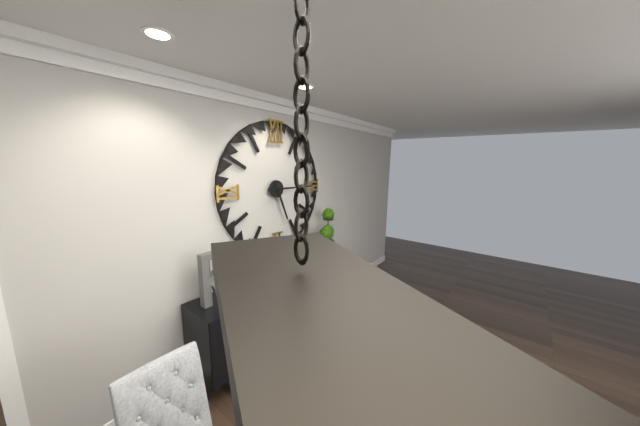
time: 5:15
